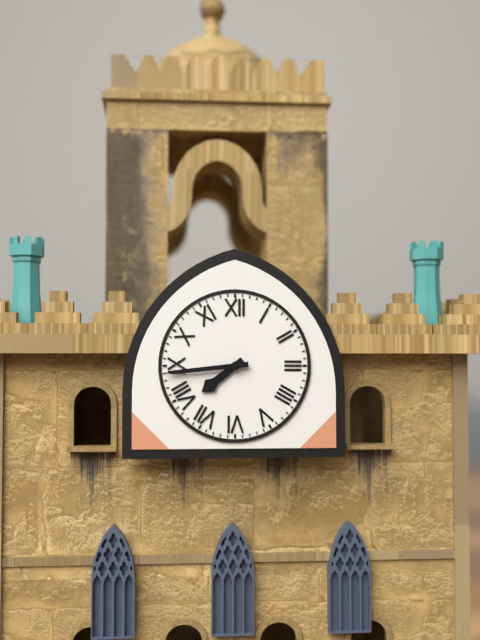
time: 7:44
